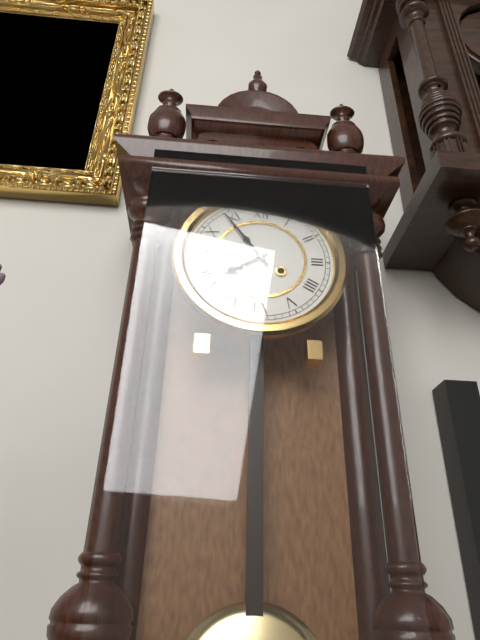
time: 7:54
